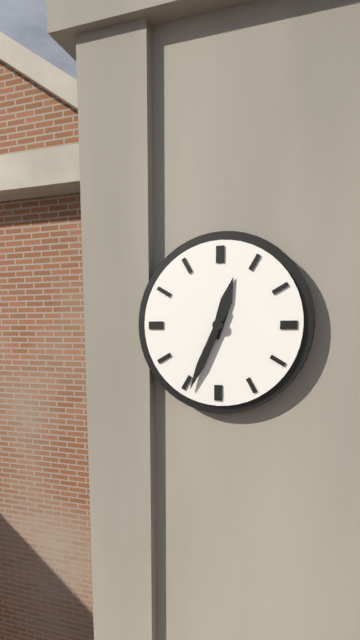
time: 12:34
